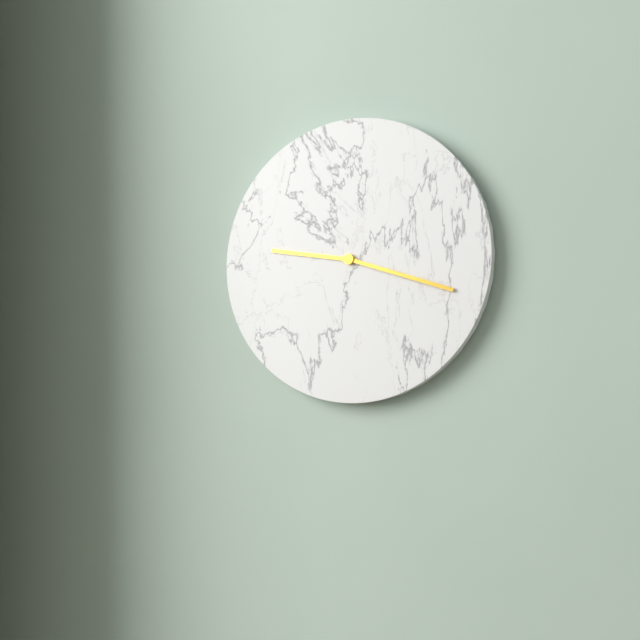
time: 9:18
